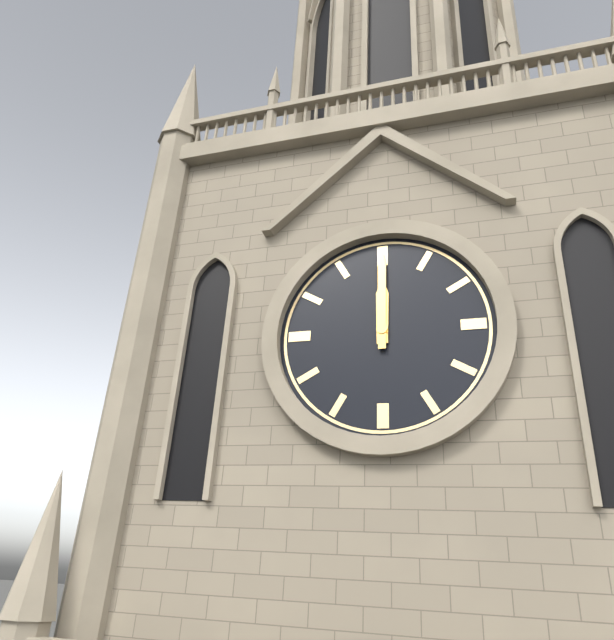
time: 12:00
